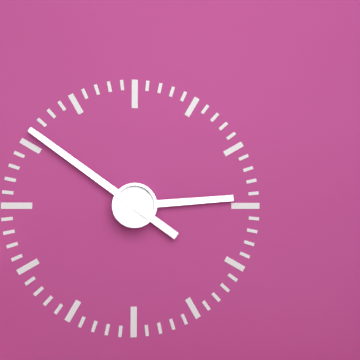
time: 2:51
